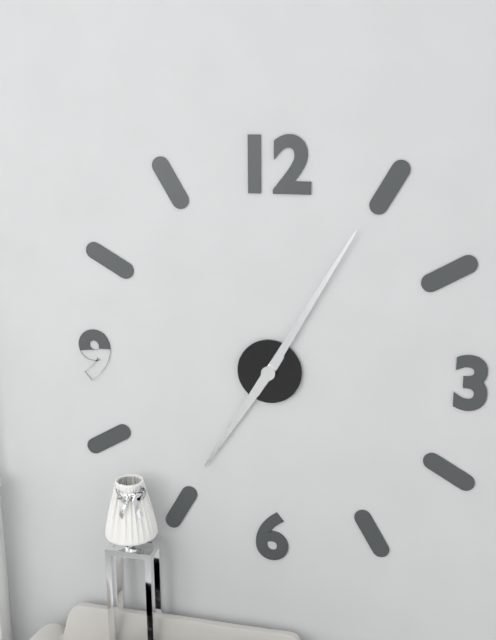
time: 7:05
